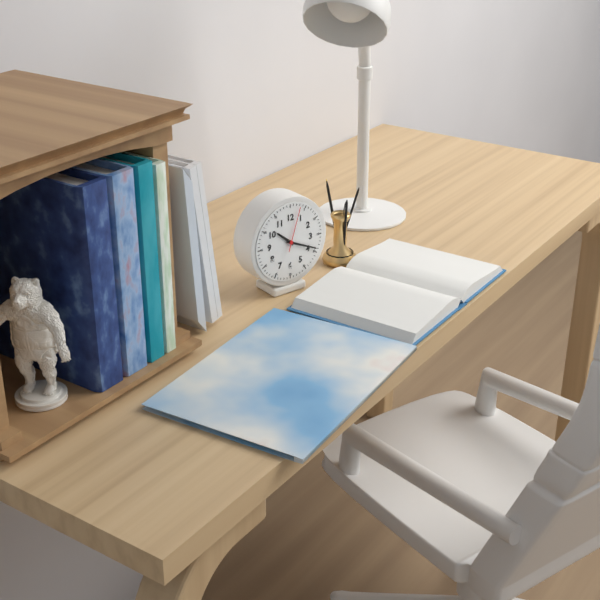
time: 10:19
